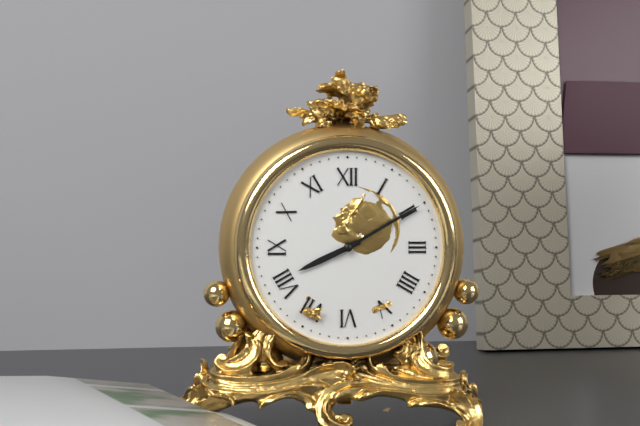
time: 8:10
